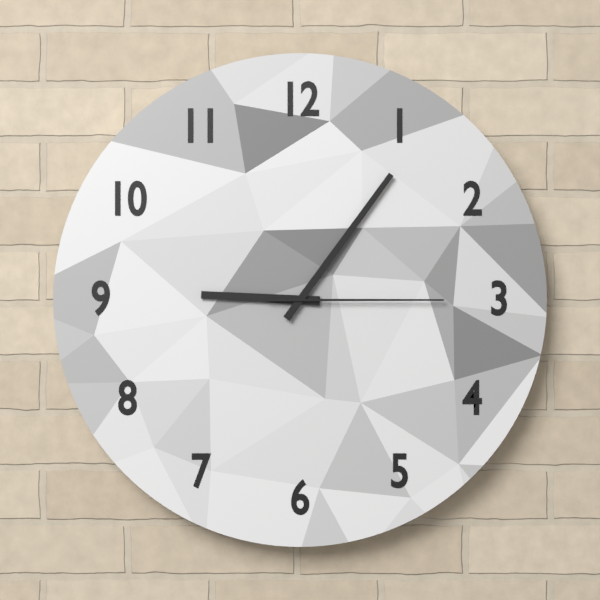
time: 9:06:15
